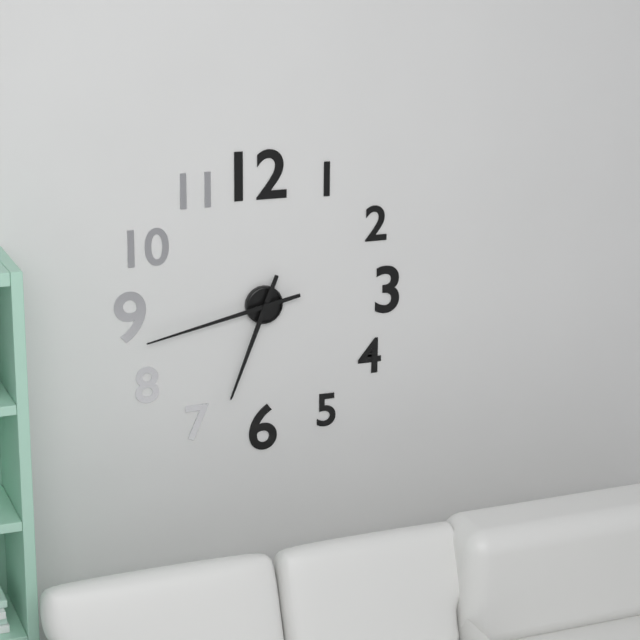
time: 6:43
